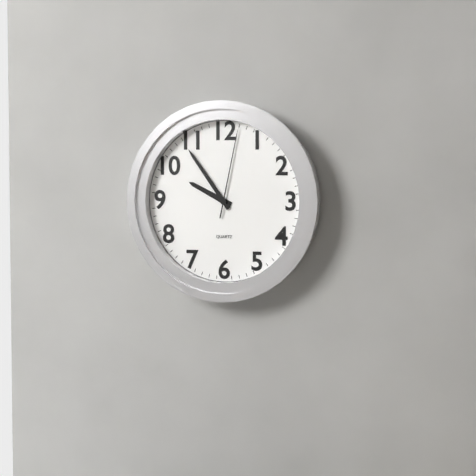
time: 9:54:02
